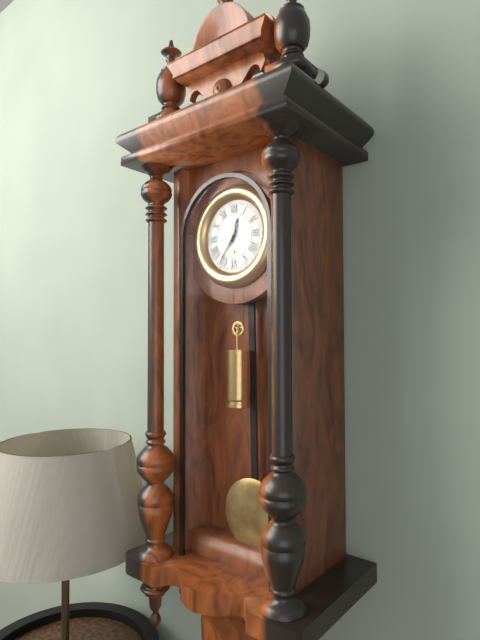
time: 12:36
